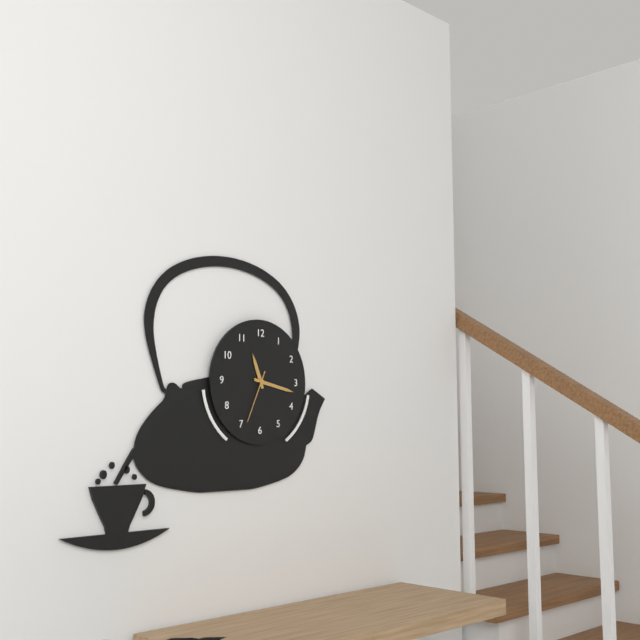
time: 11:17:34
